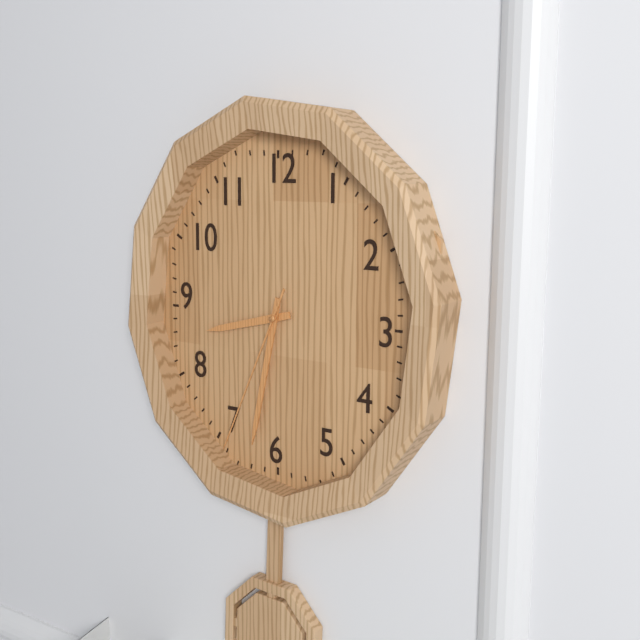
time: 8:32:34
